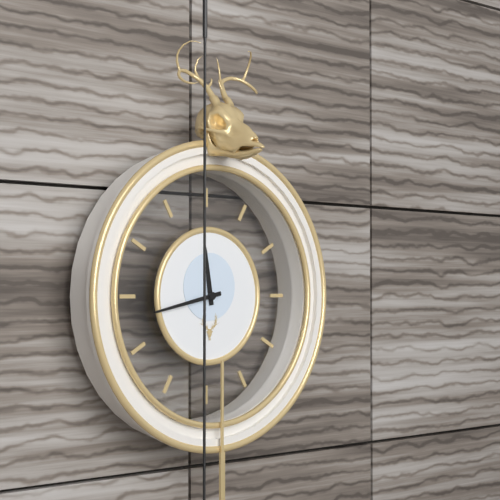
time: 11:43
